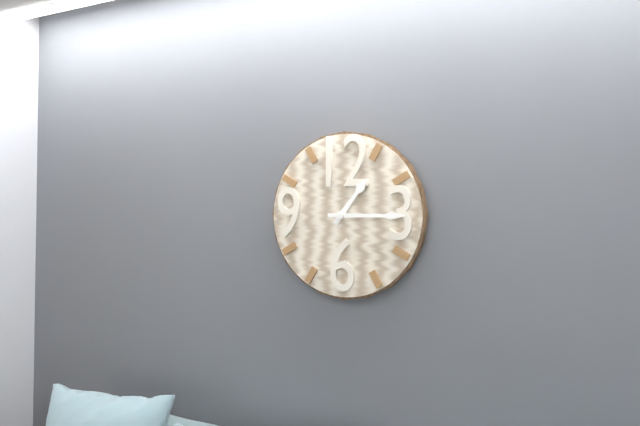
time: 1:15
